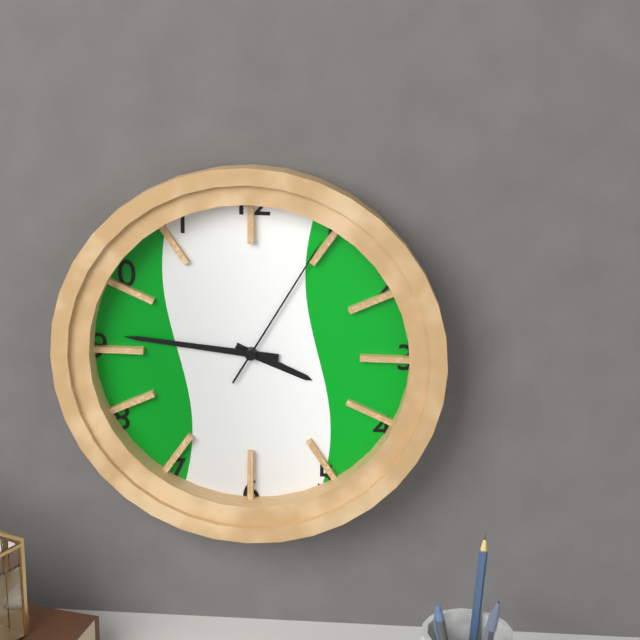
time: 3:46:05
